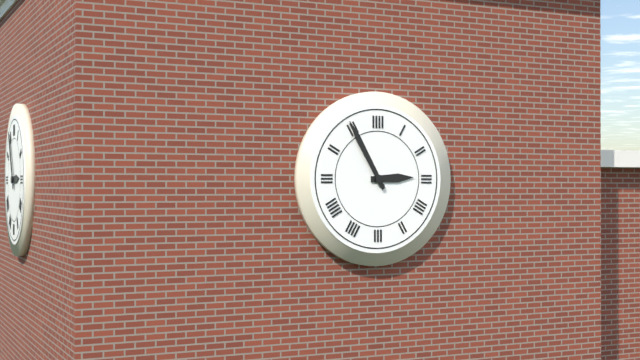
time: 2:55
